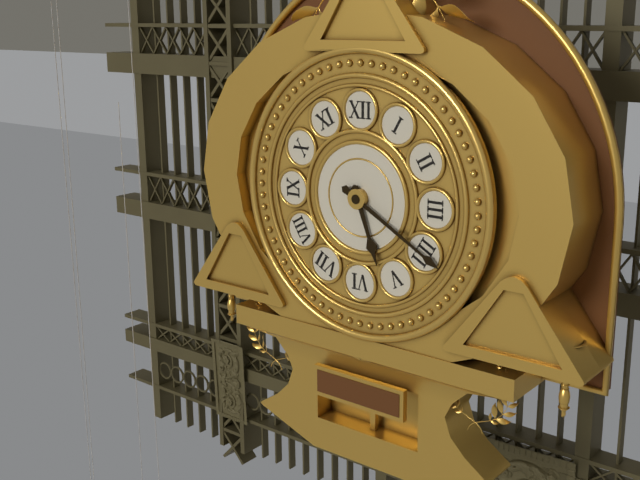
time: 5:20
